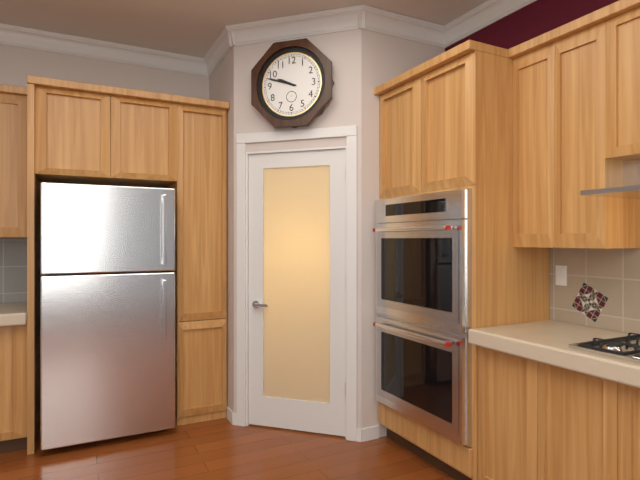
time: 9:48
